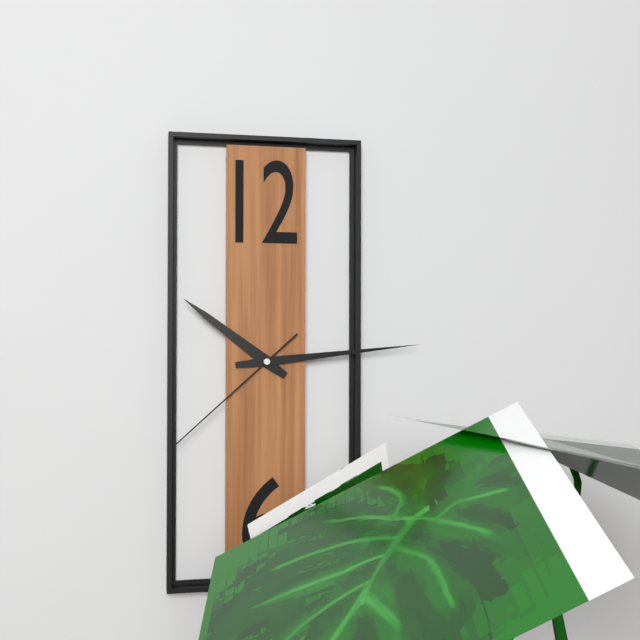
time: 10:14:38
